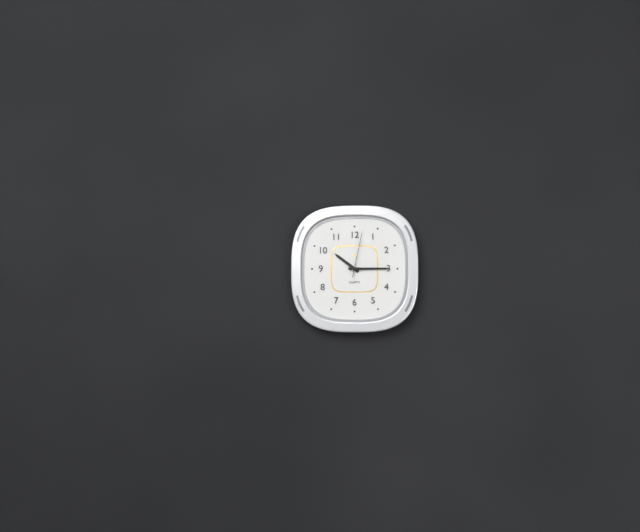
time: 10:15
